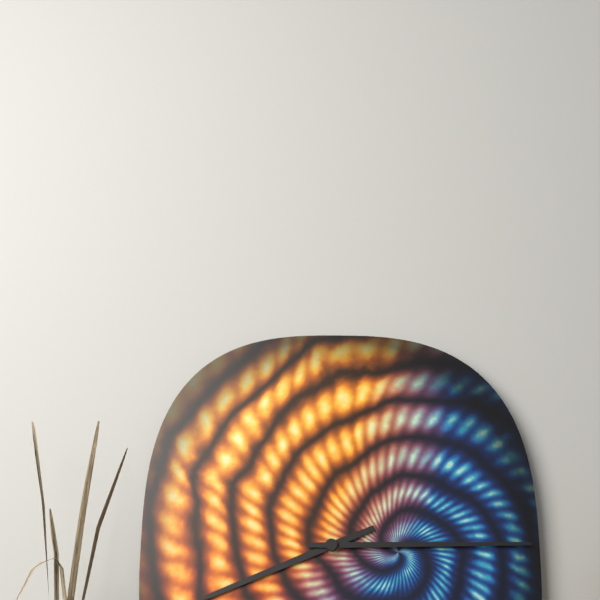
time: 8:15
